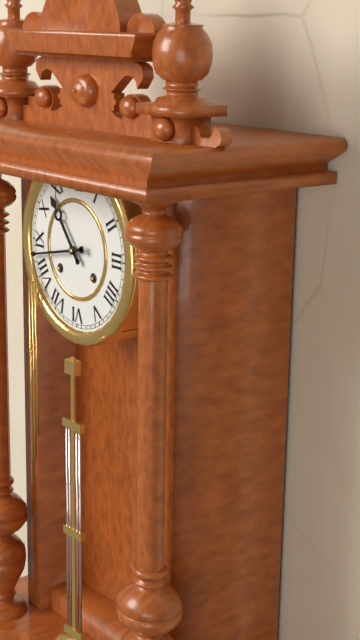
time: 10:43
